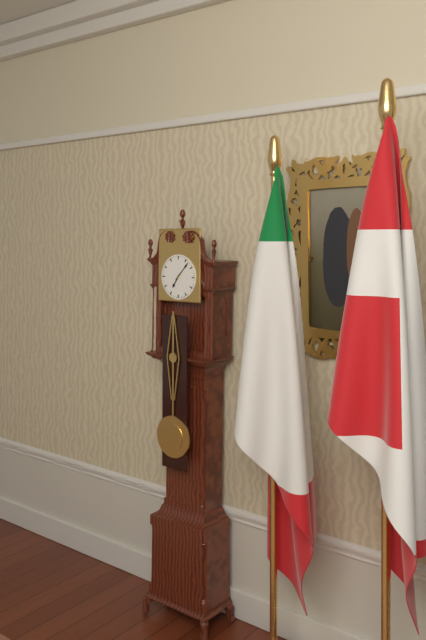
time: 7:07
